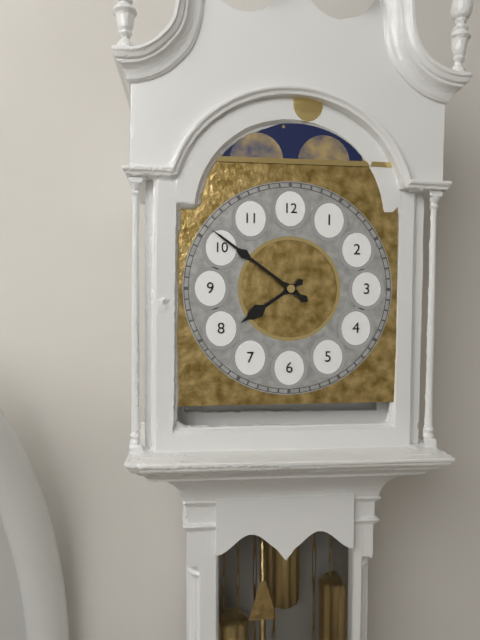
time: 7:51
